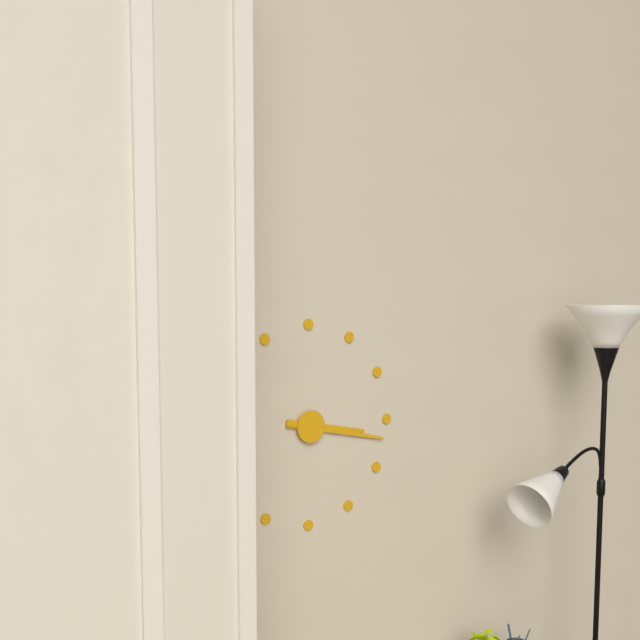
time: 3:17
